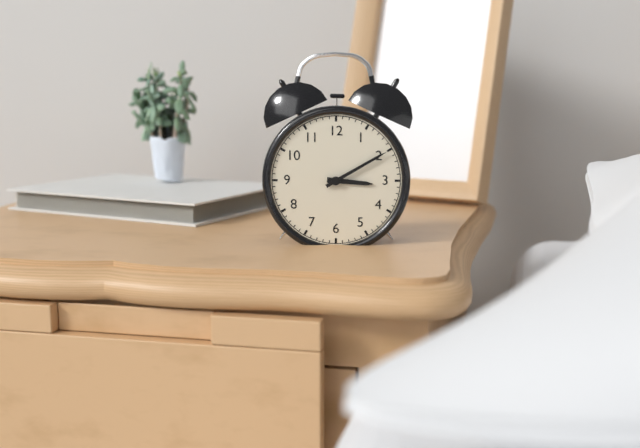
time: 3:10
